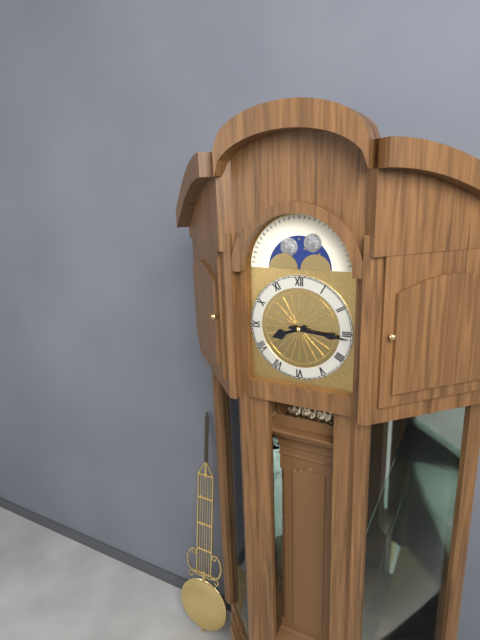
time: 8:16
